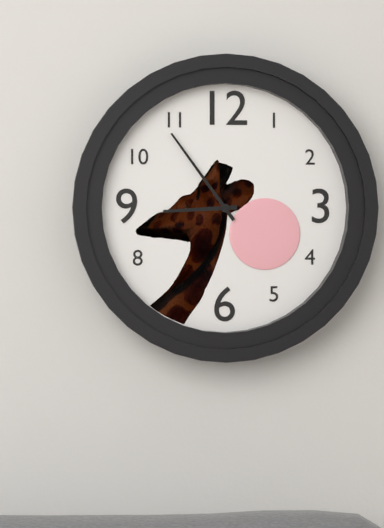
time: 8:54
